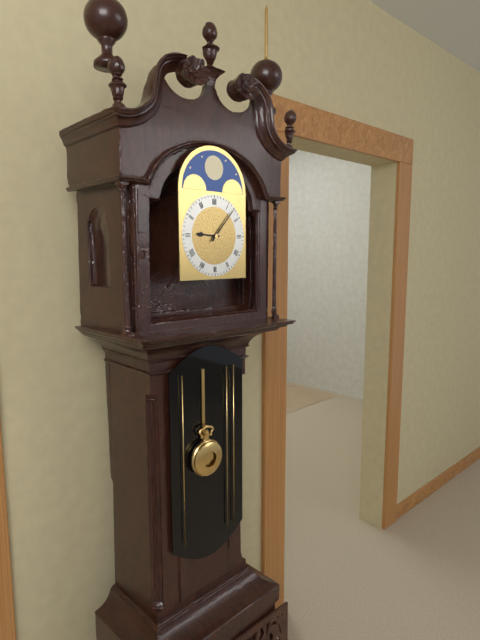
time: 9:07
